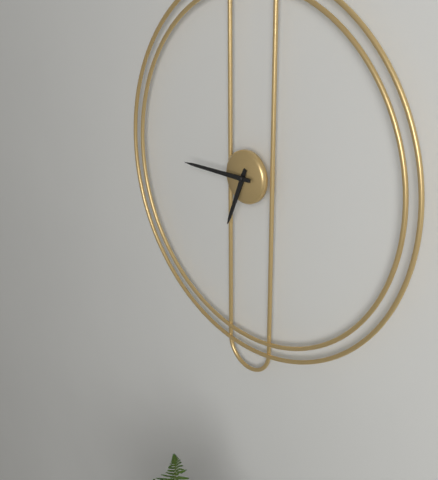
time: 6:45
